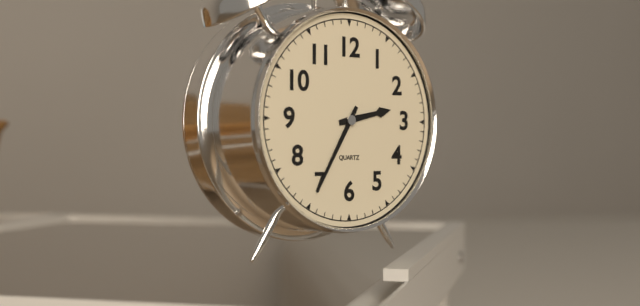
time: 2:35
